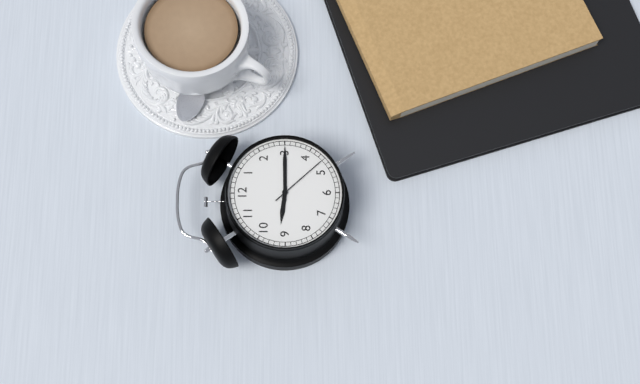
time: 9:15:23
